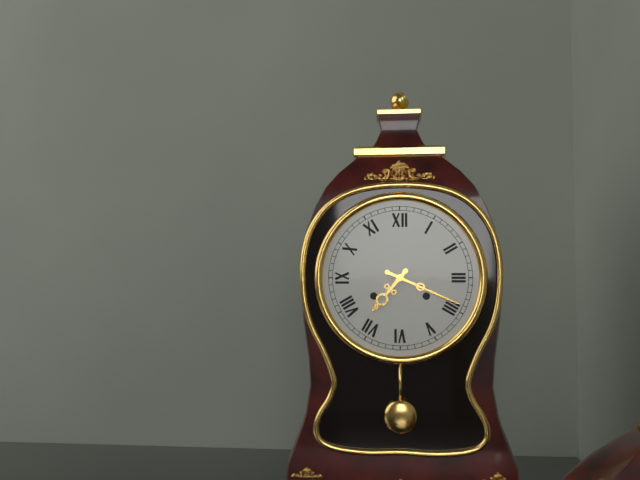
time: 7:19
